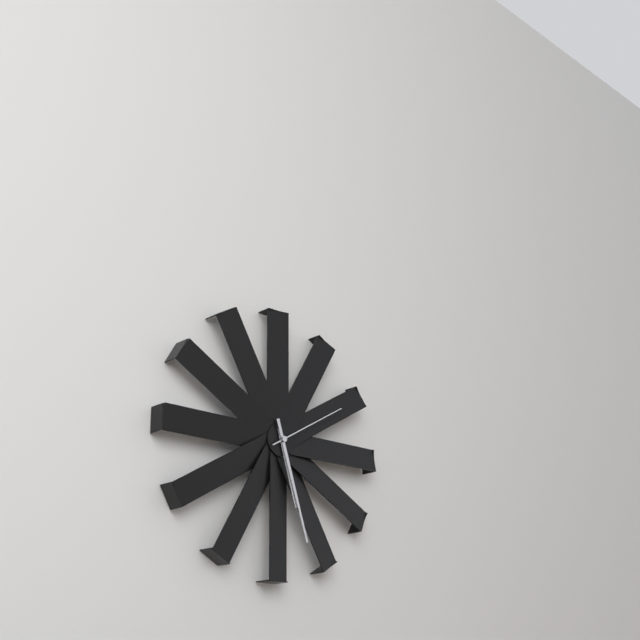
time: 5:27:10
